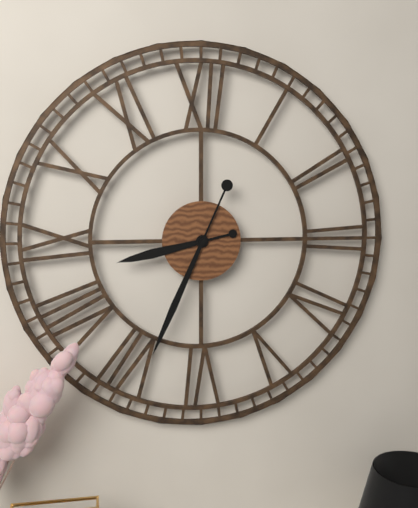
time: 8:34
